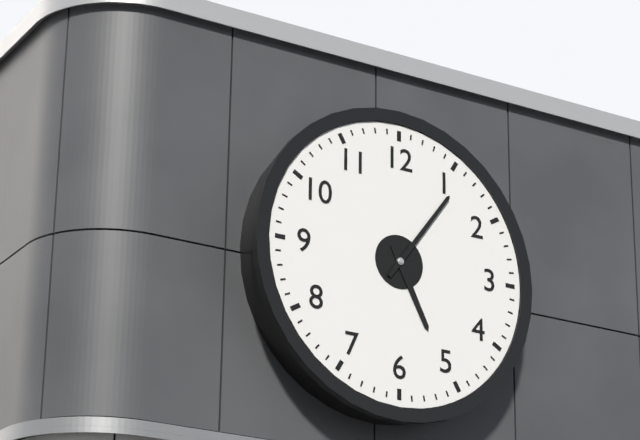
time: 5:06
